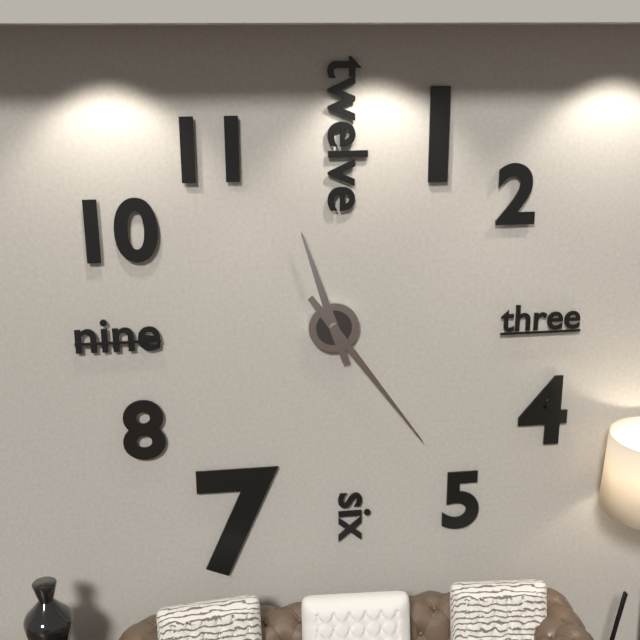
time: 11:24
